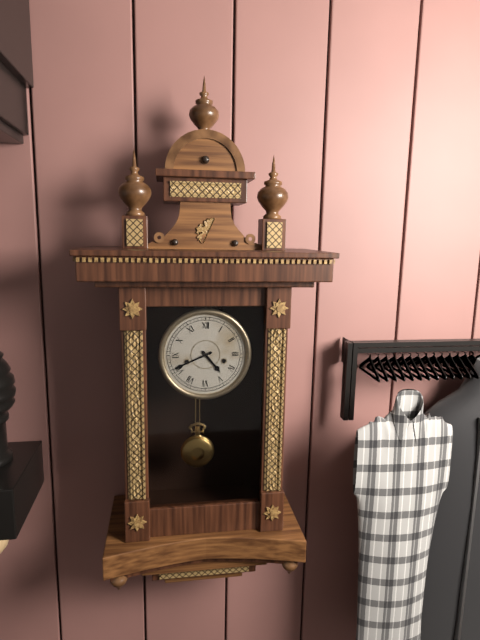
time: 4:41
